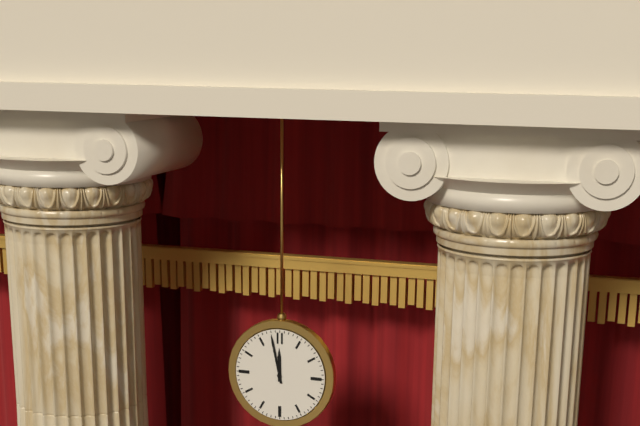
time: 11:58
